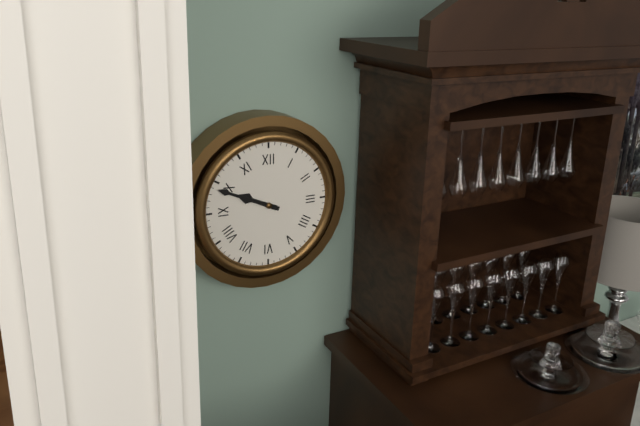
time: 9:49
